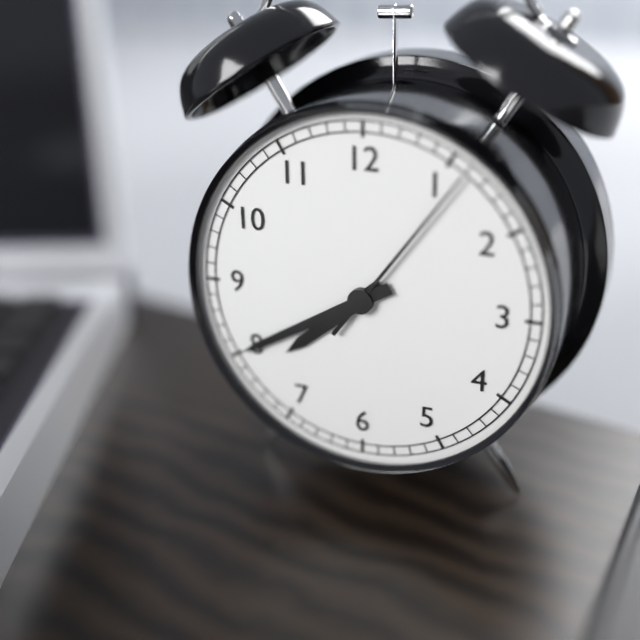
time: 7:40:06
